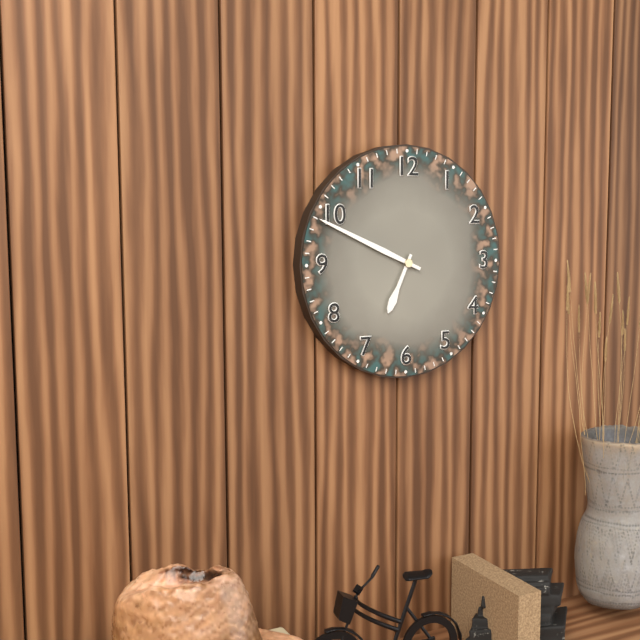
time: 6:49
